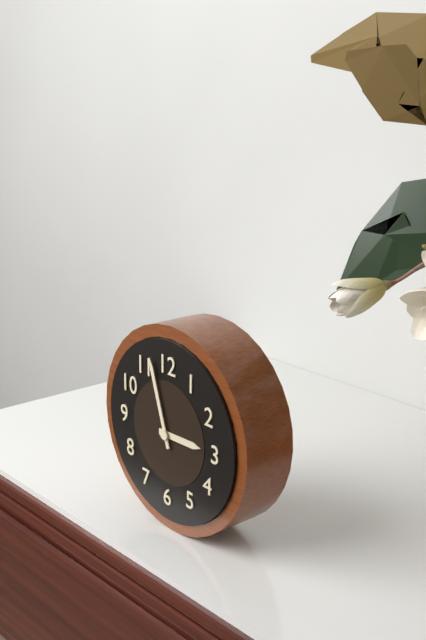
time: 2:57
